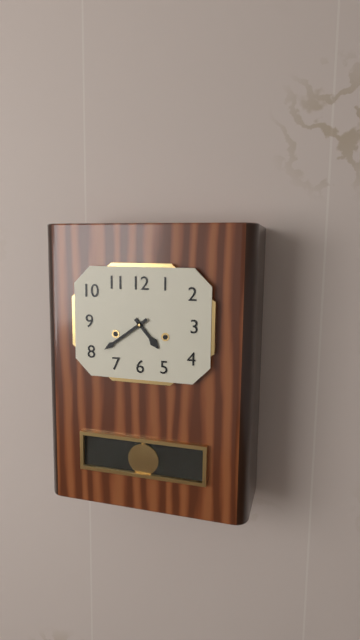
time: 4:39
